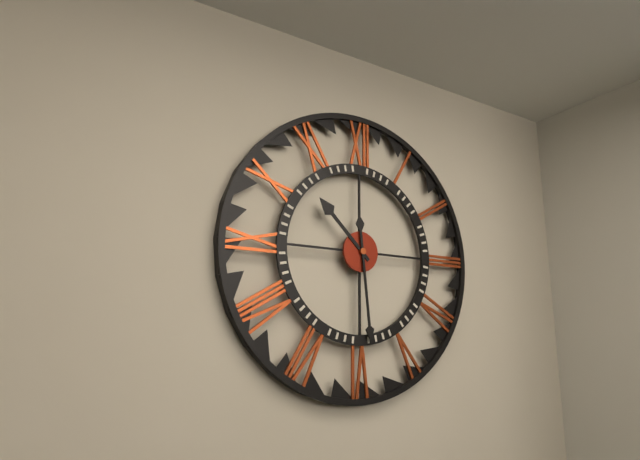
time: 10:29
